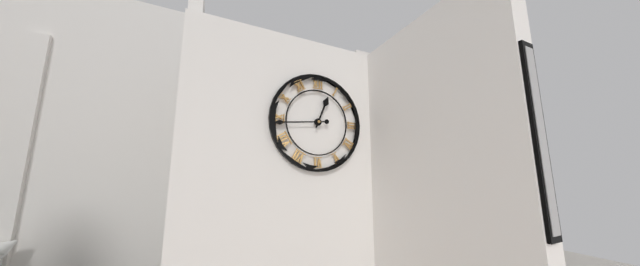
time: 12:44
